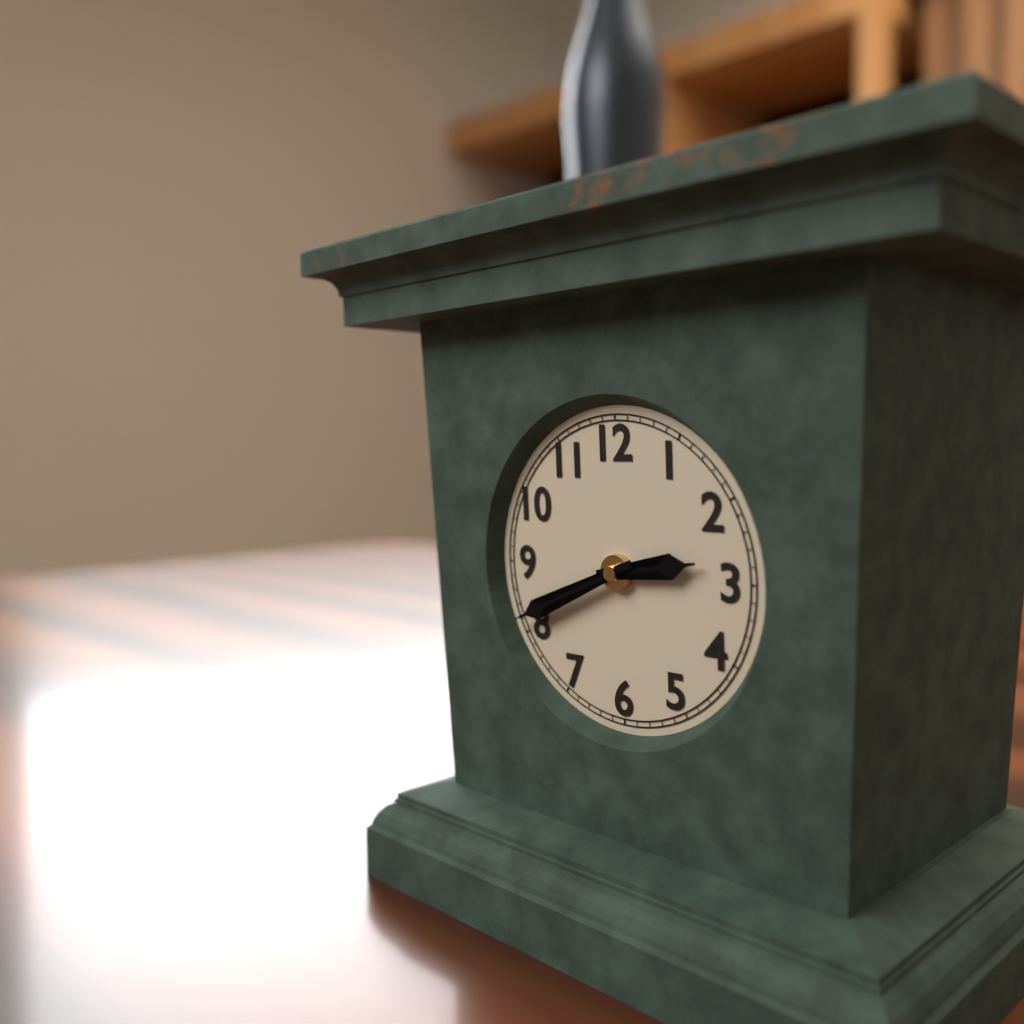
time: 2:41
